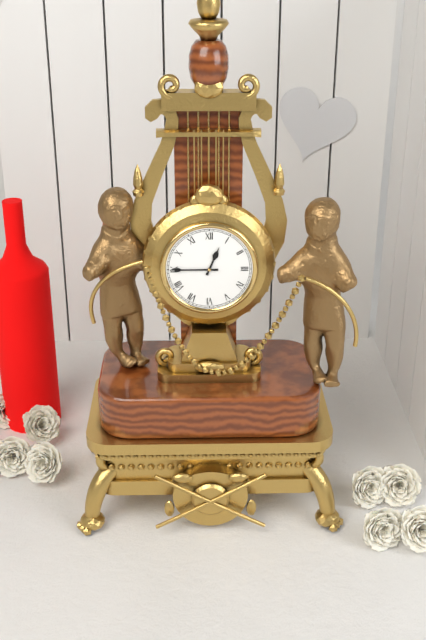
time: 12:45
